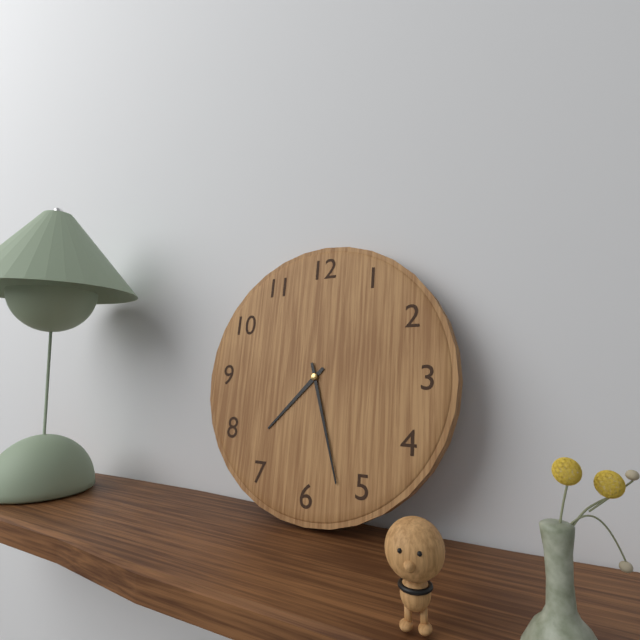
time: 7:27
